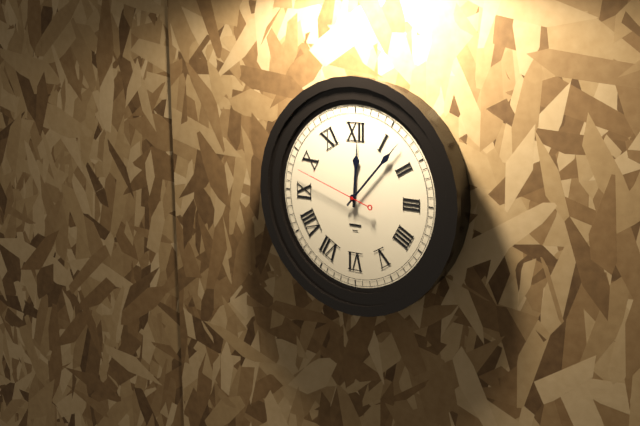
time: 12:07:48
